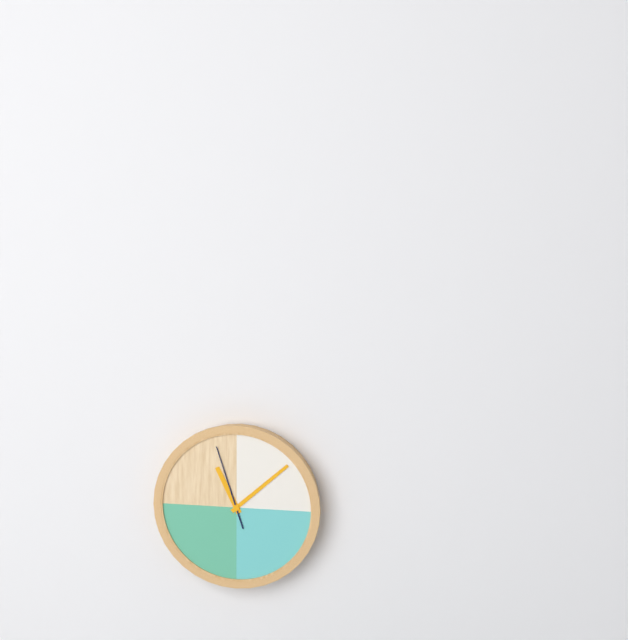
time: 11:08:57
